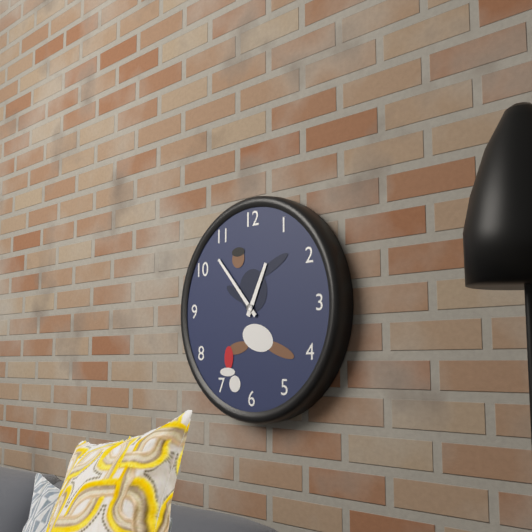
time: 12:53
